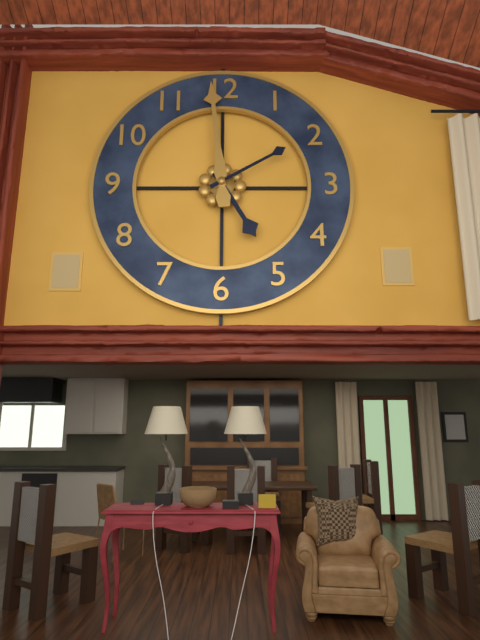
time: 4:59:10
